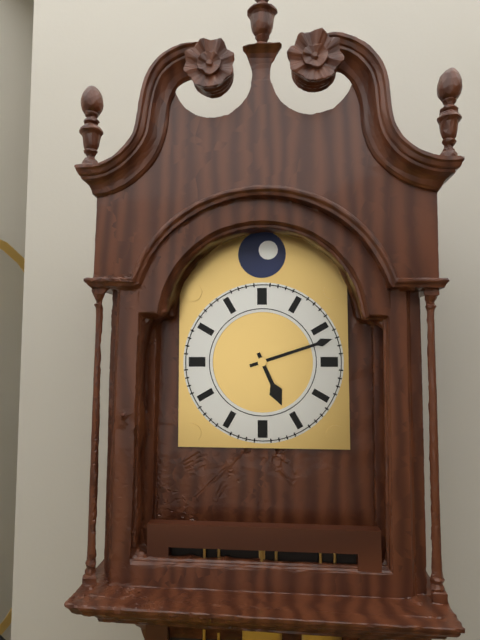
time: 5:12
